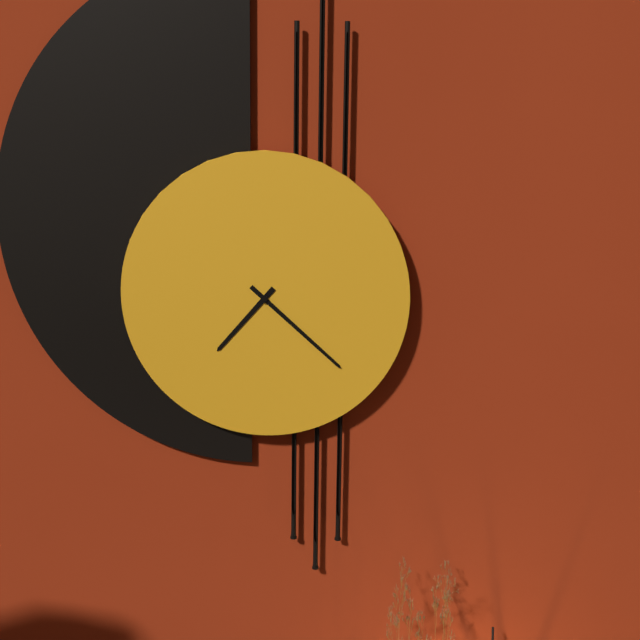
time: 7:22
